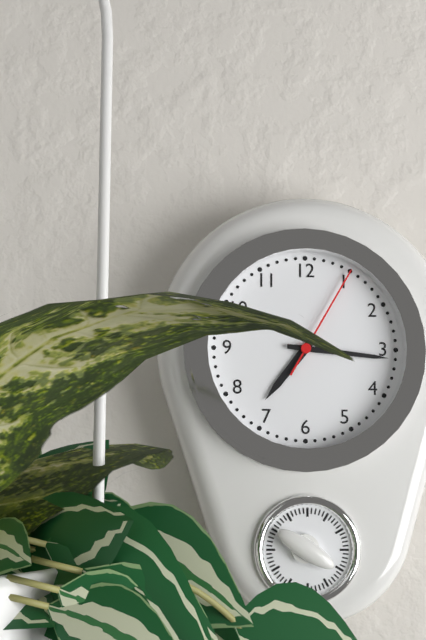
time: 7:16:05
